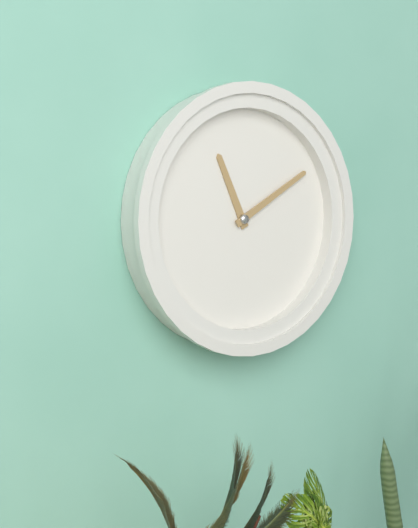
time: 11:10
